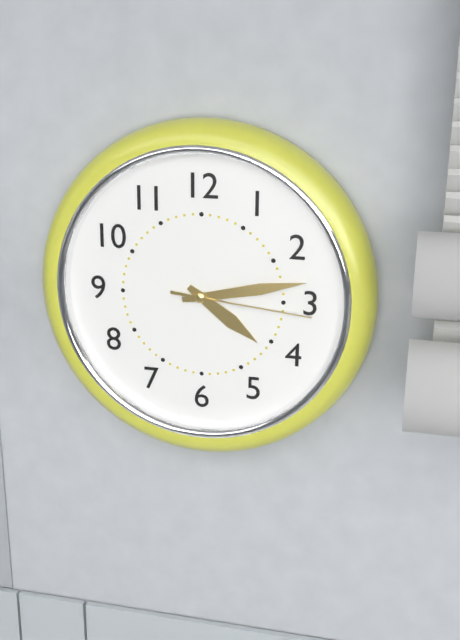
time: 4:13:16
